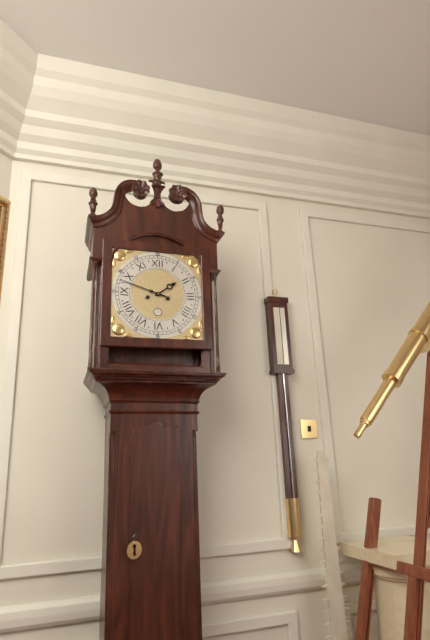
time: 1:48
